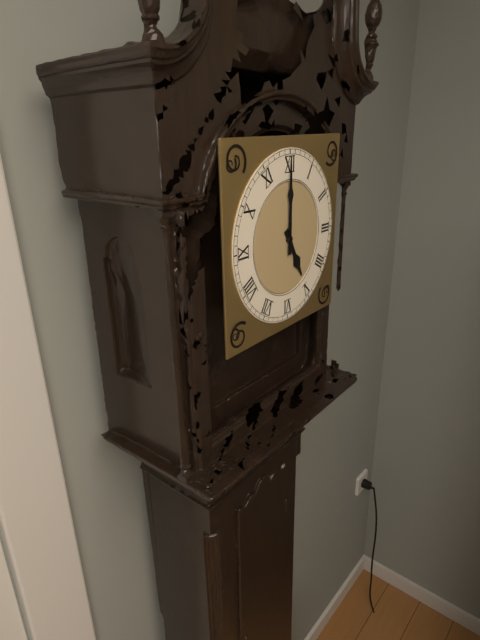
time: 5:00
